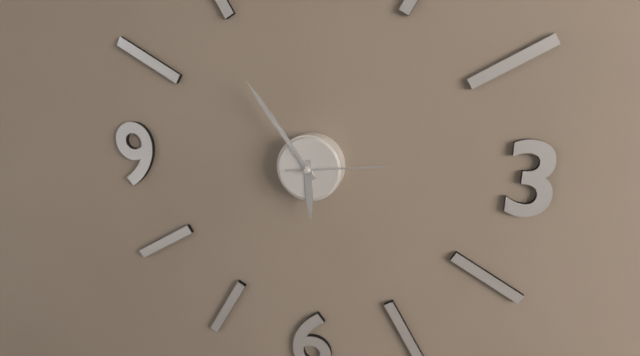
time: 5:54:14
